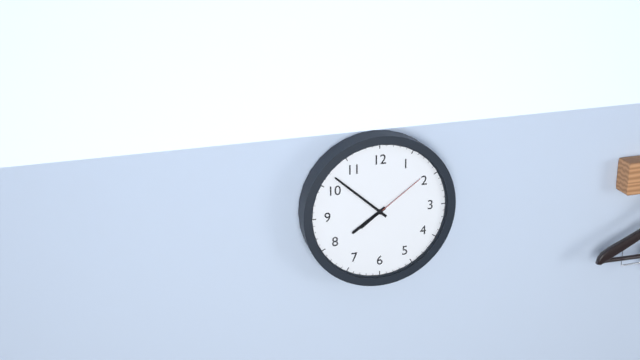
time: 7:52:09
